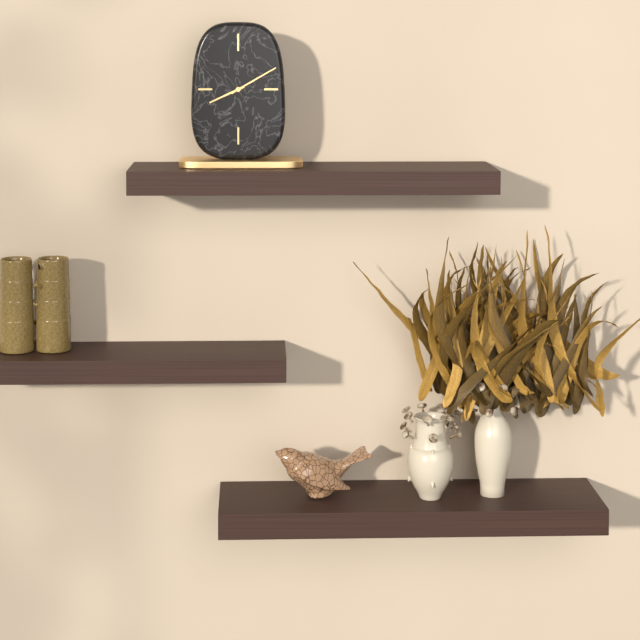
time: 8:10
